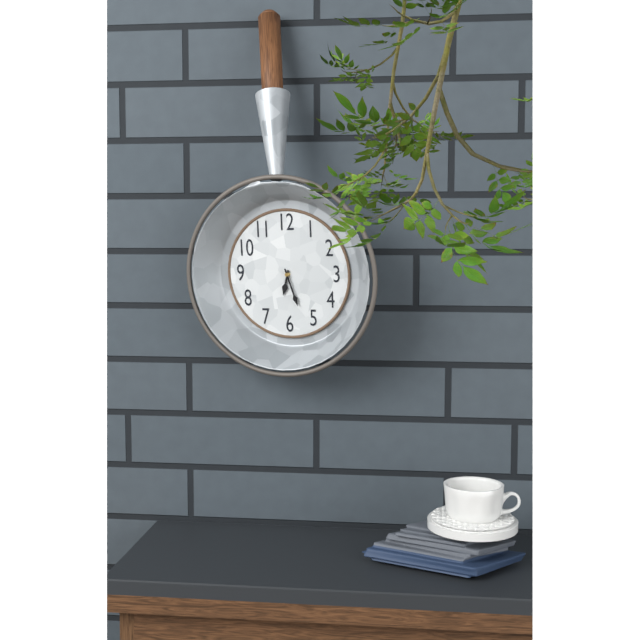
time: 6:27
